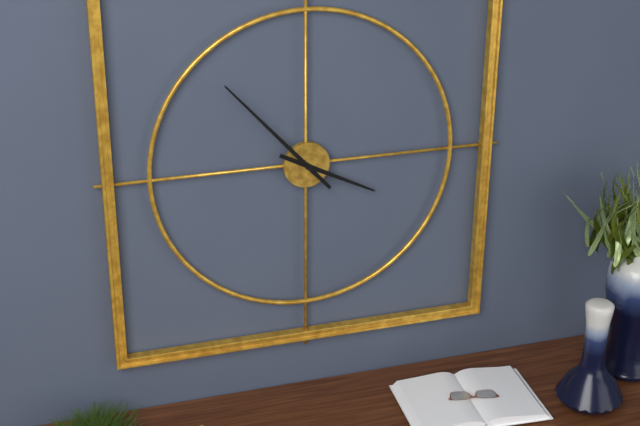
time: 3:53
